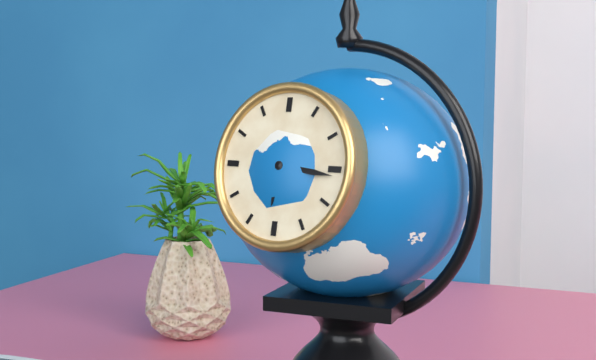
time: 6:16
